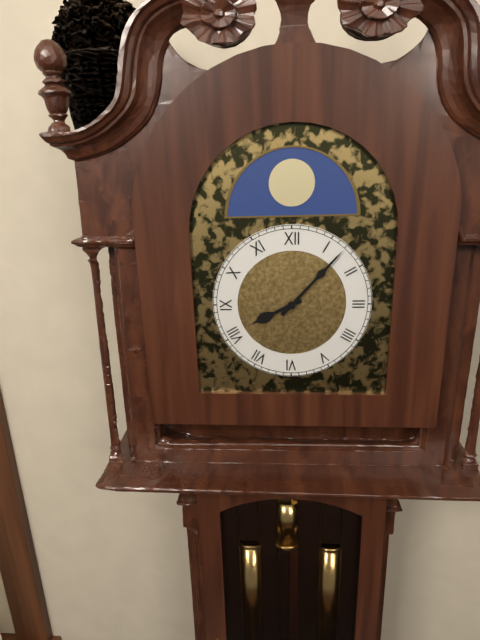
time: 8:07
